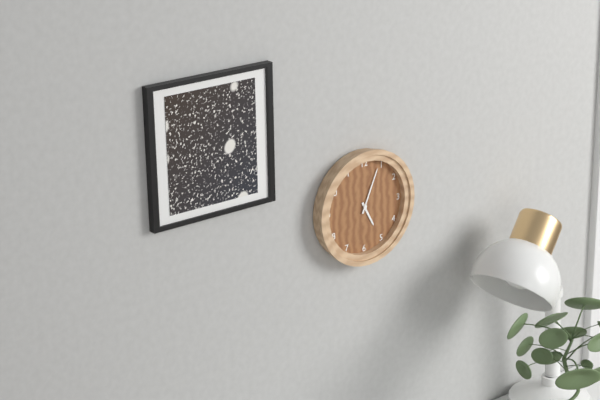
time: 5:04
